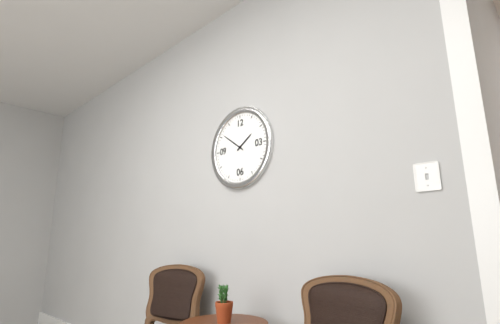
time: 1:51
